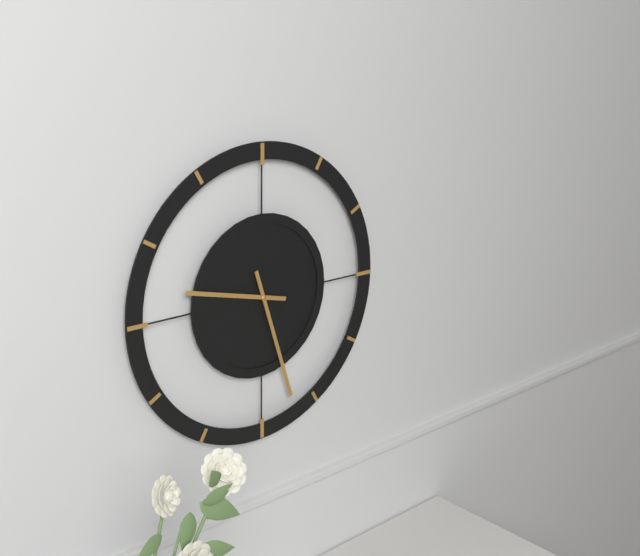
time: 9:27
